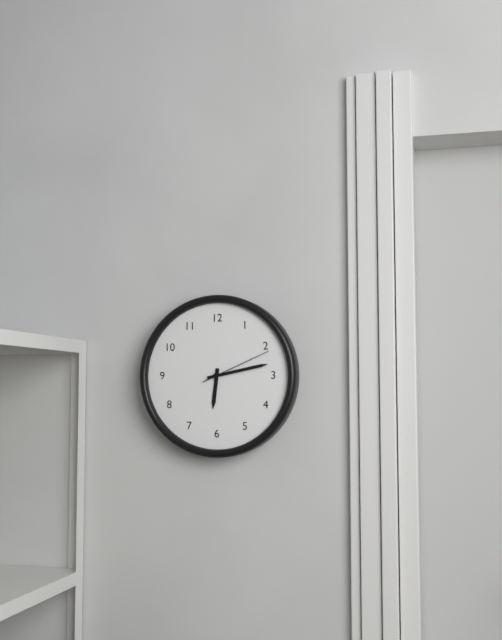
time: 6:13:11
